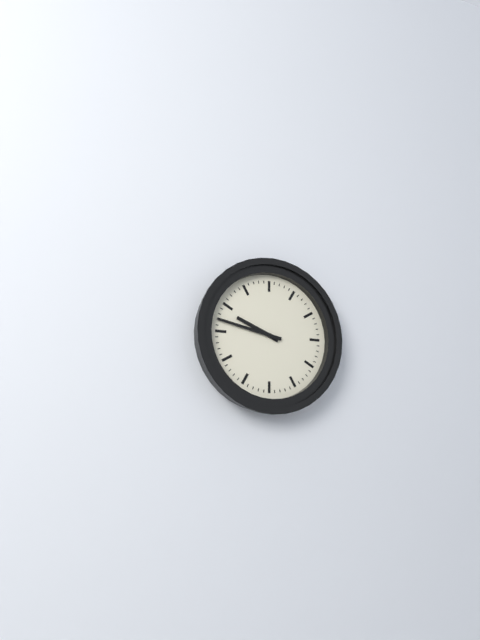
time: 9:47
